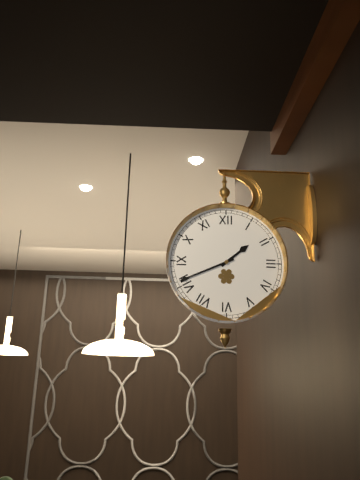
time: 1:41
